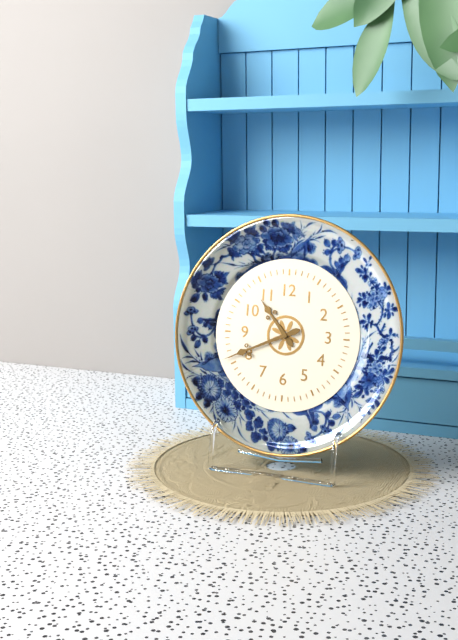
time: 10:41
